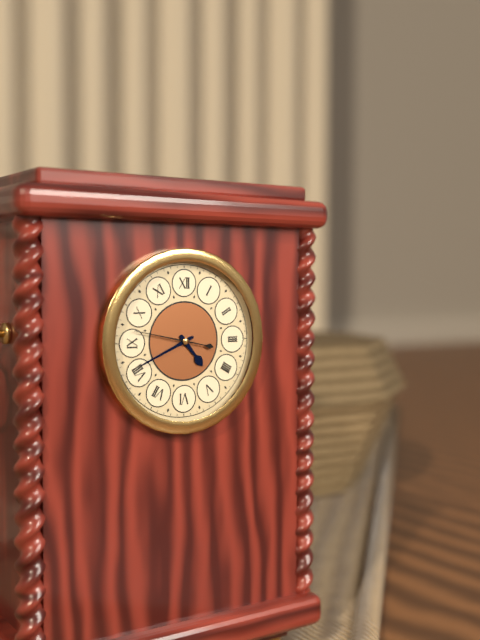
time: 4:41:47
